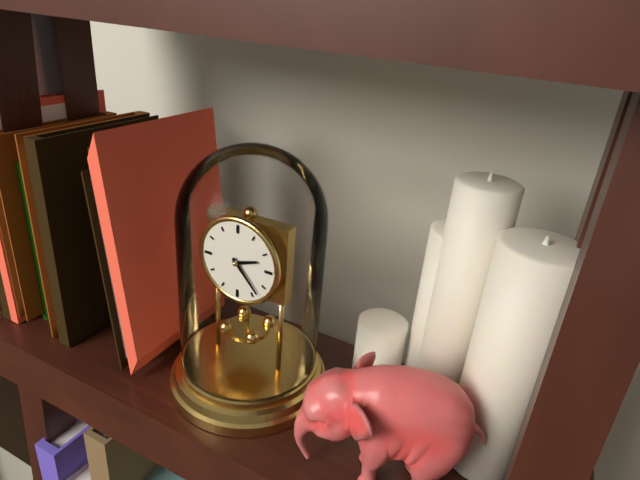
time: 2:23
